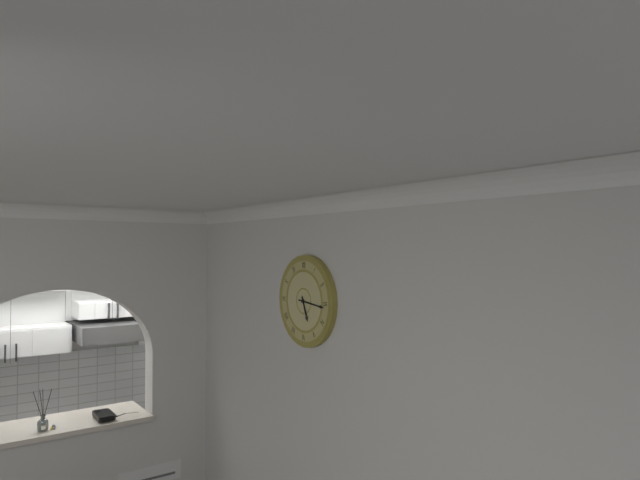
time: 5:16
